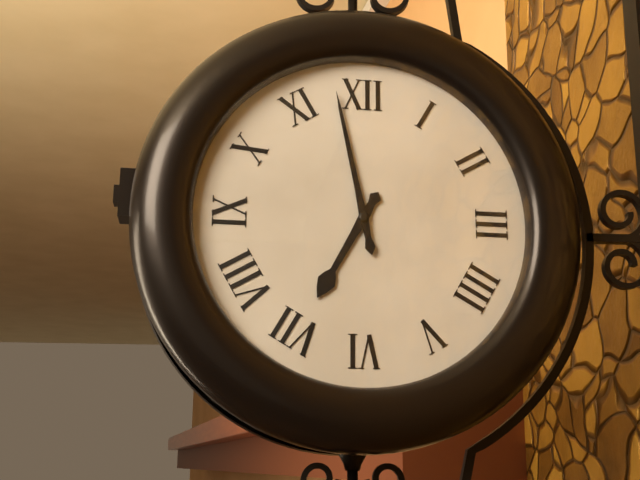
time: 6:58
